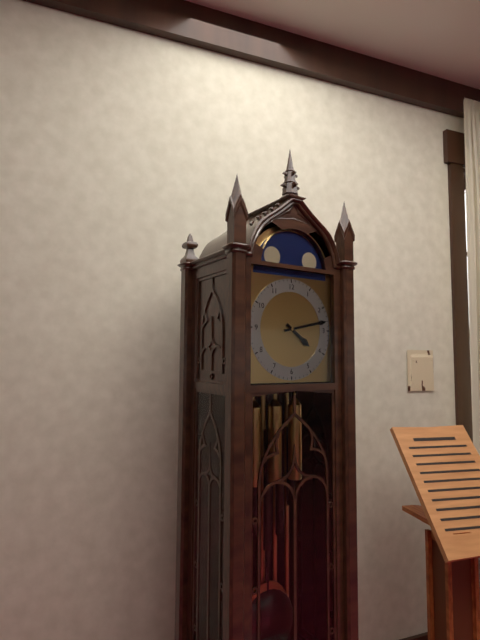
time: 4:13
